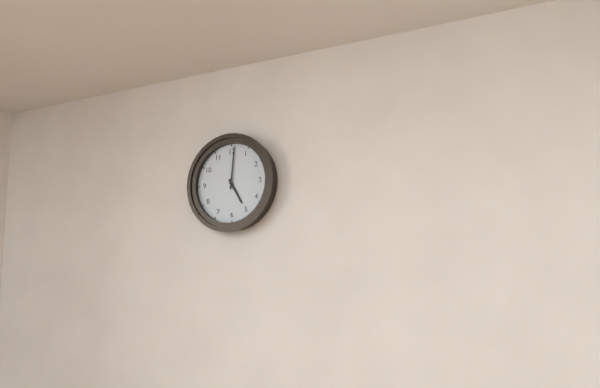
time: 5:01
